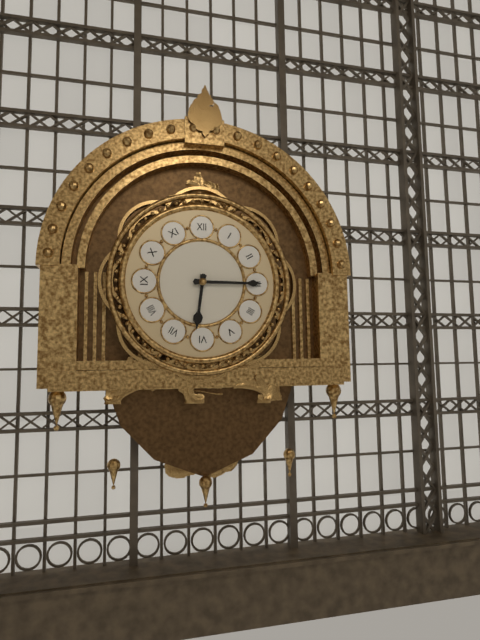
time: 6:15
